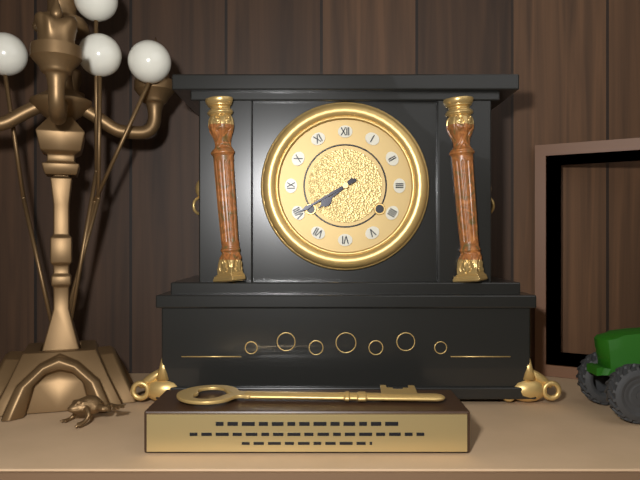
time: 7:40
